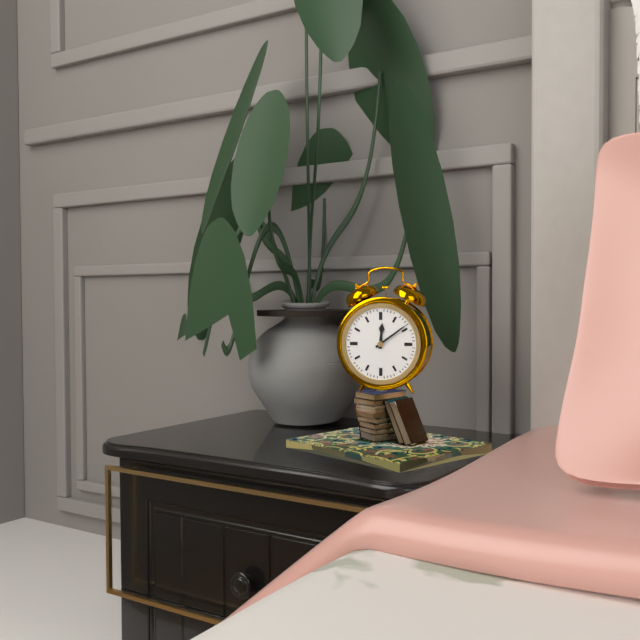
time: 12:09
